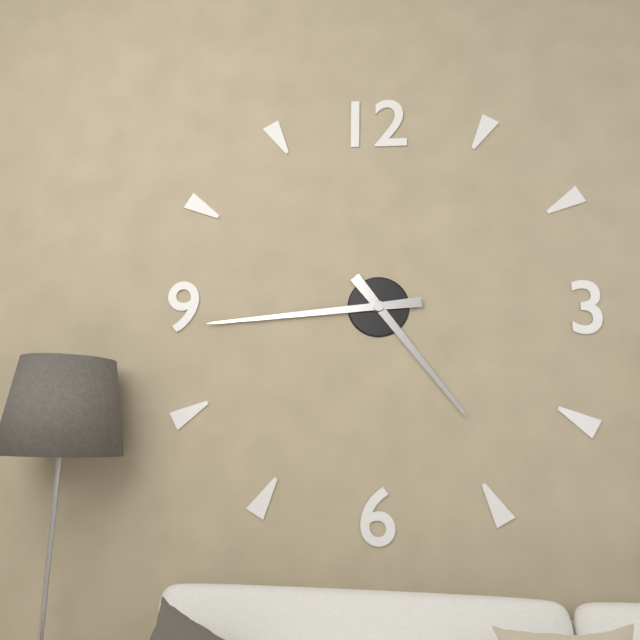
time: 4:44
